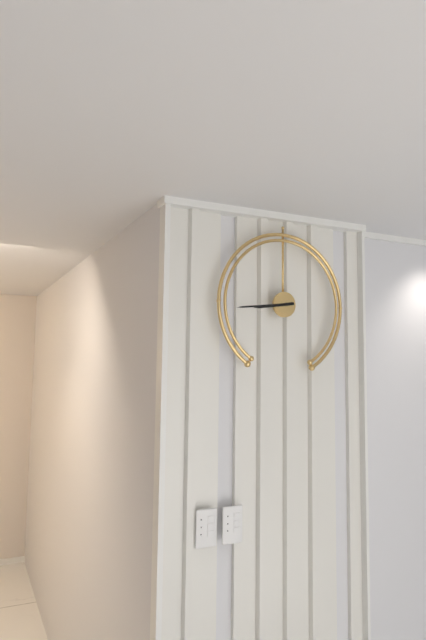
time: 8:44
